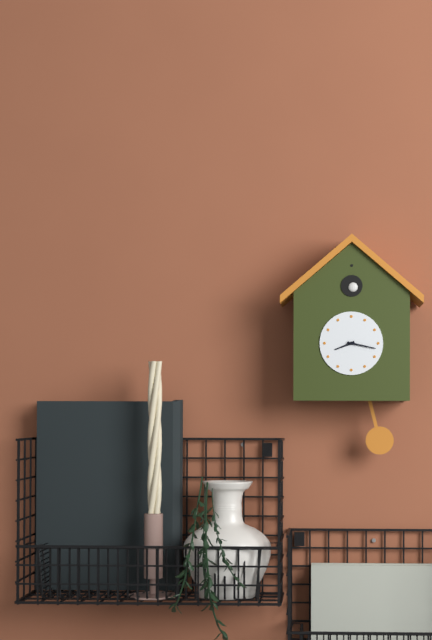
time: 8:17
